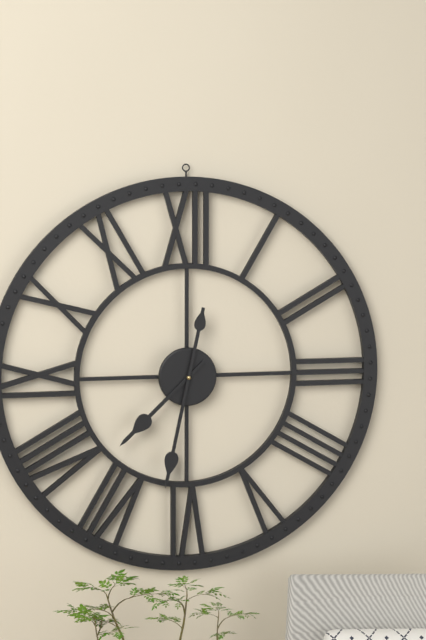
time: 7:32
